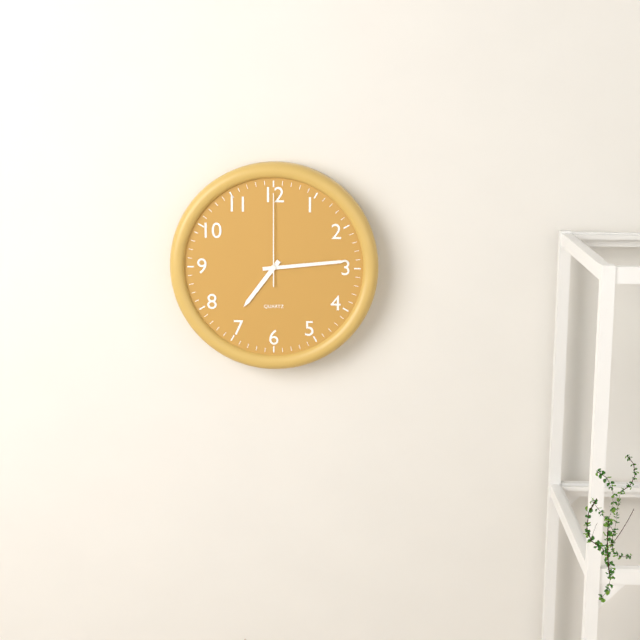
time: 7:14:00
